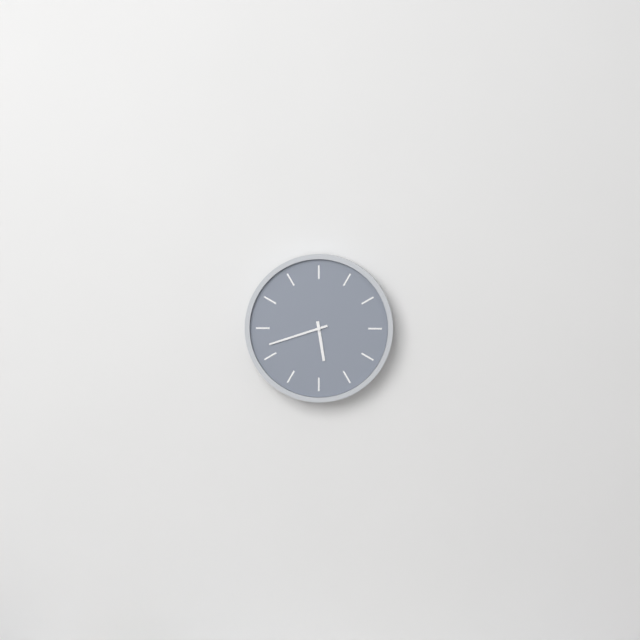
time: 5:42
